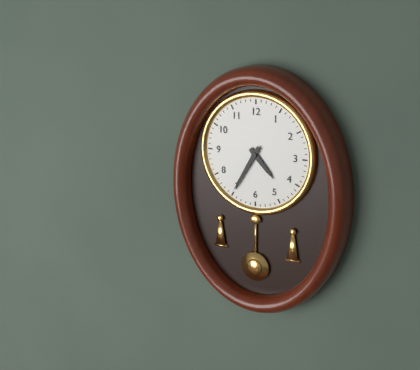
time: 4:35
